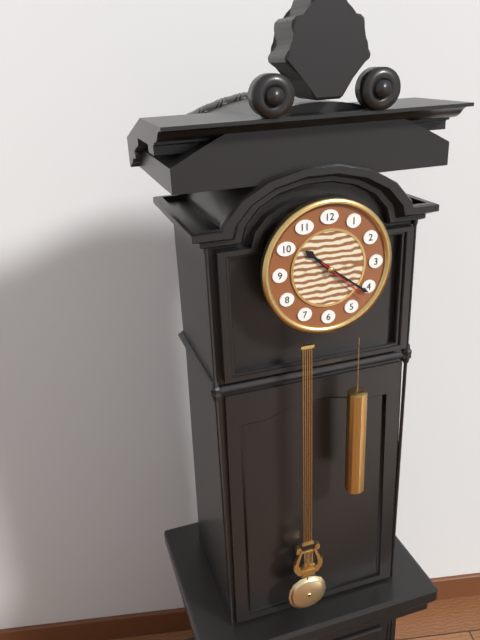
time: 10:21:22
